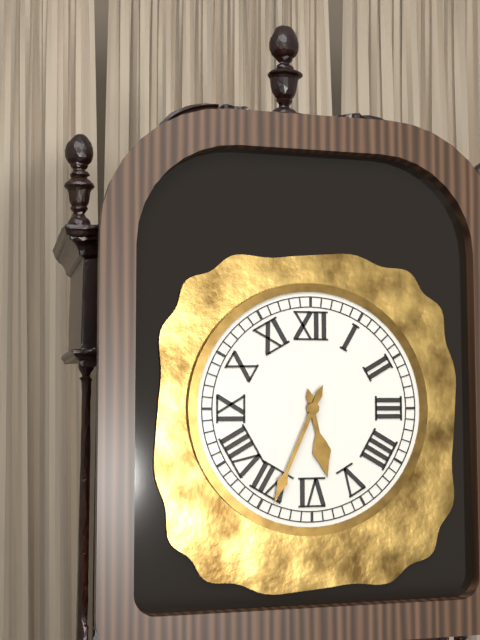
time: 5:34
